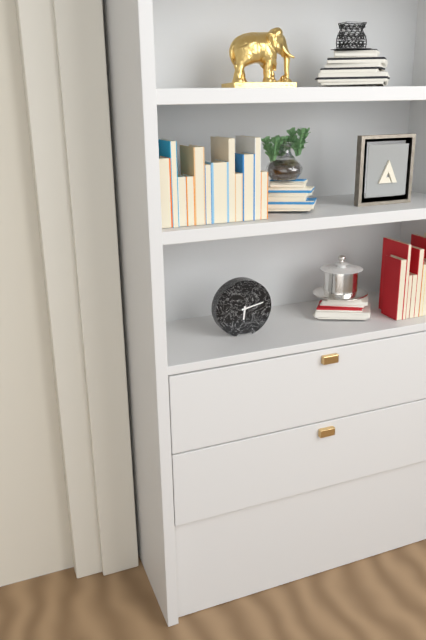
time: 6:13
